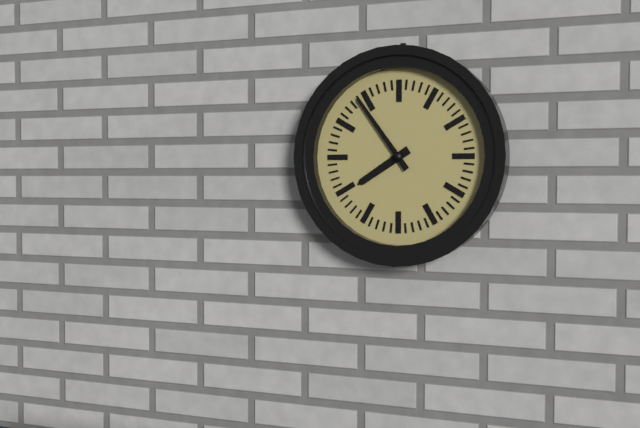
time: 7:54
